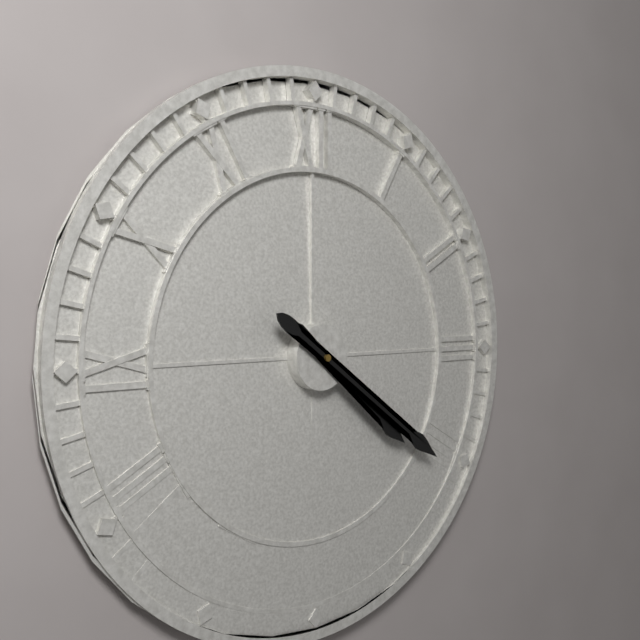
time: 4:21
